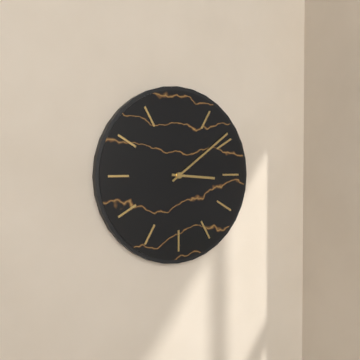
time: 3:09
